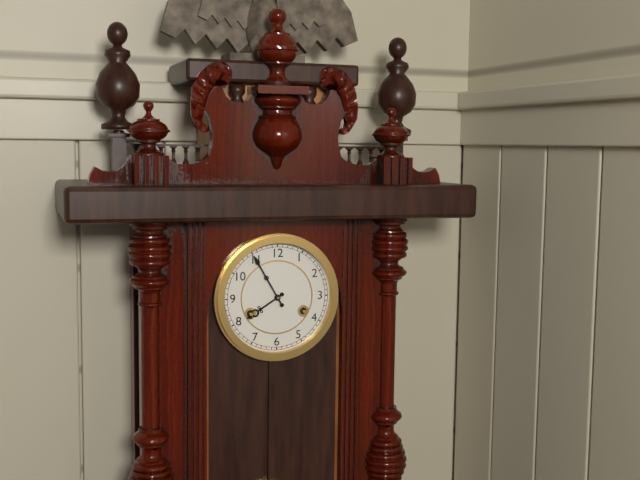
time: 7:55
